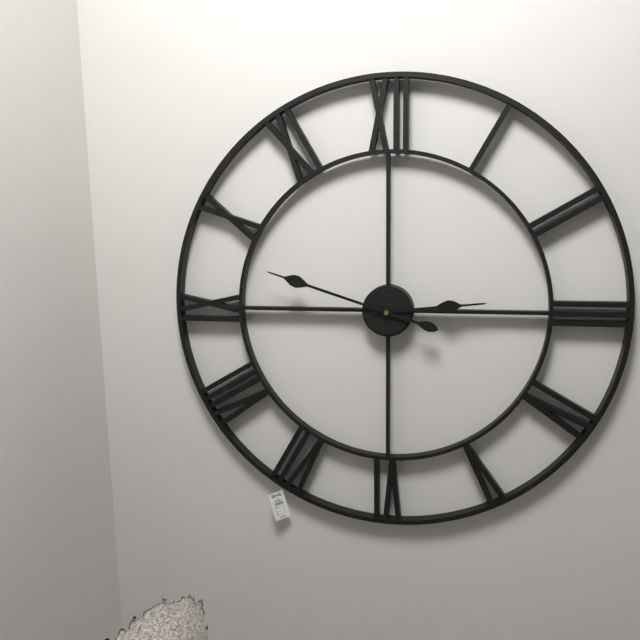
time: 2:48
